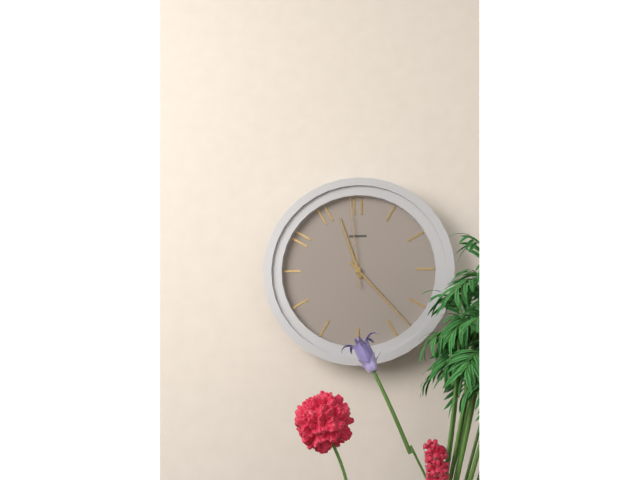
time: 11:23:59
